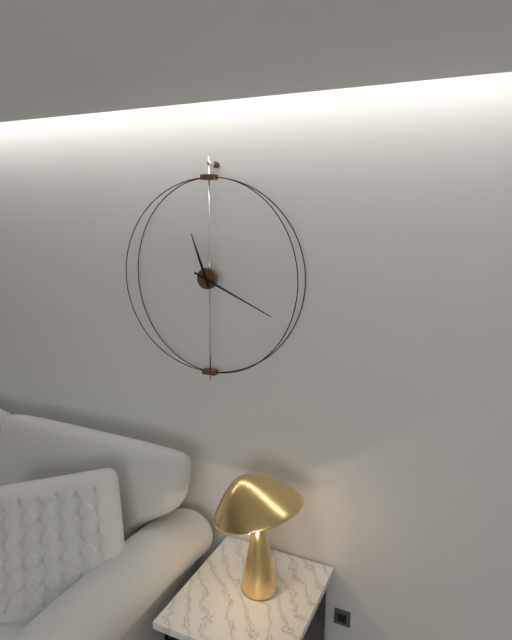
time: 11:19
